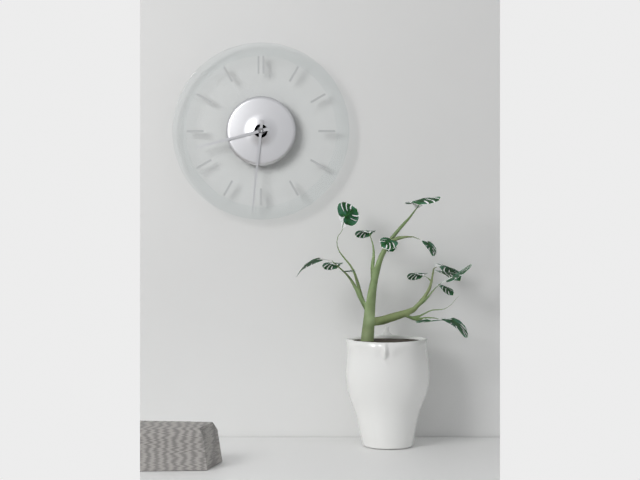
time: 8:31
